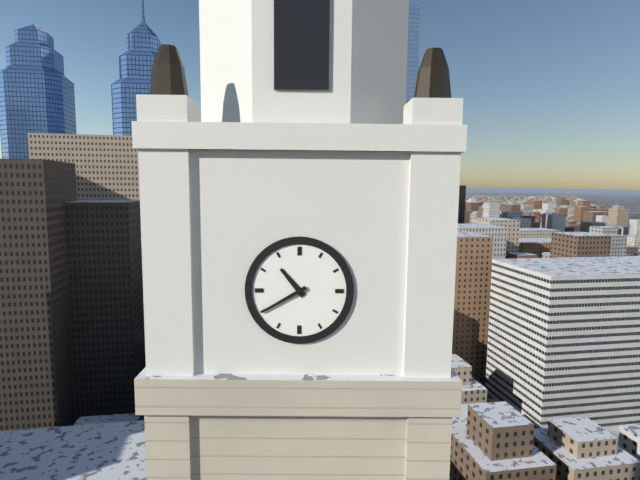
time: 10:40
